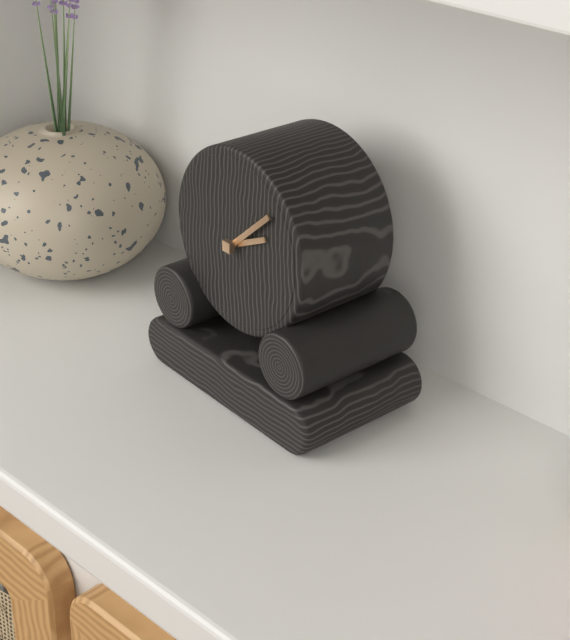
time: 2:08
